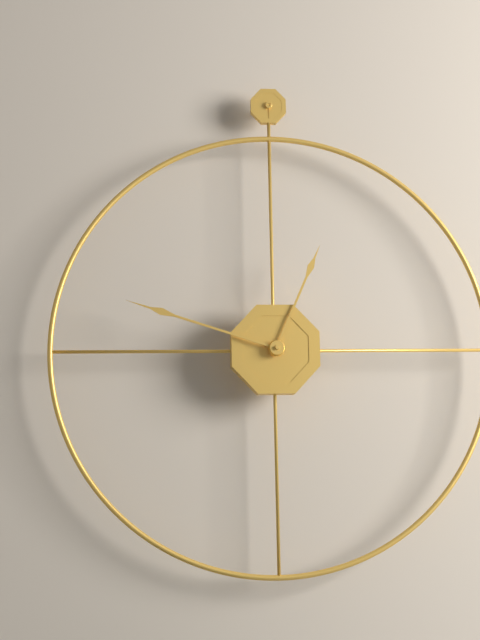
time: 12:48
